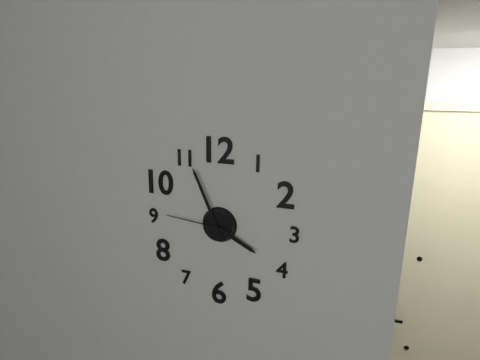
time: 3:56:46
